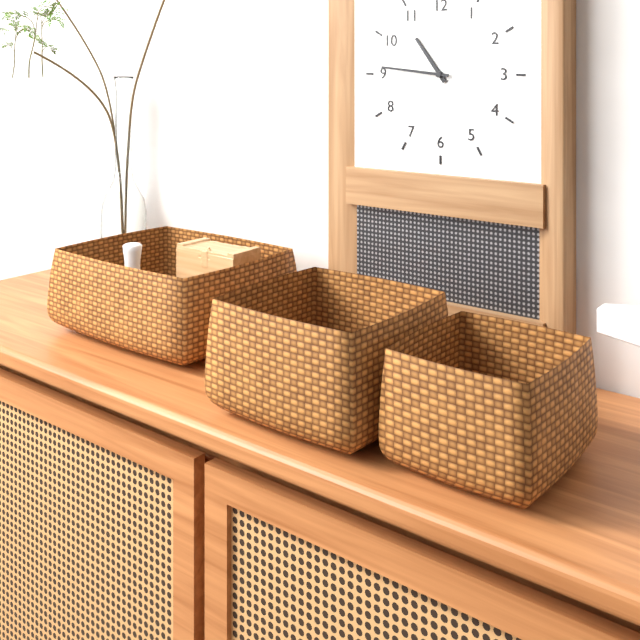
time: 10:46
